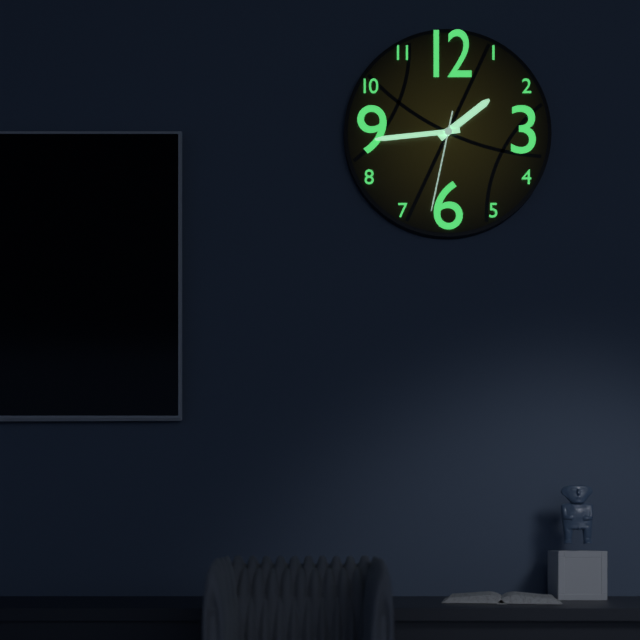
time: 1:44:32
